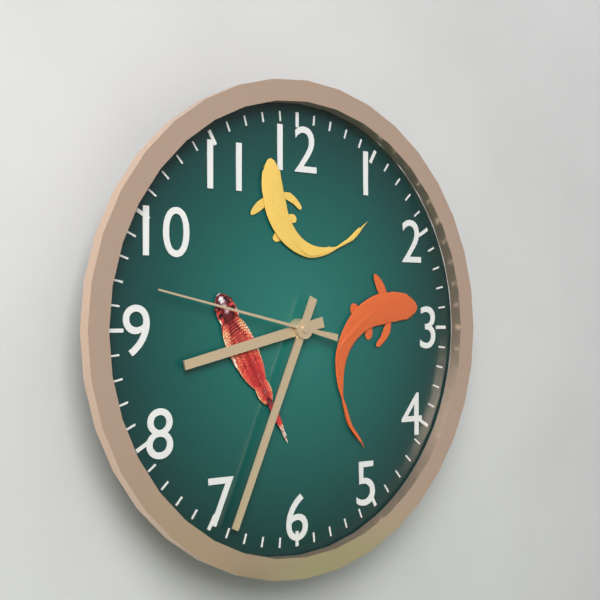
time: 8:34:47
